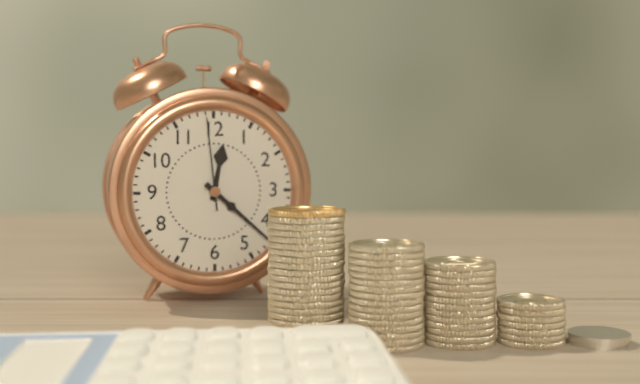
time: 12:22:59
